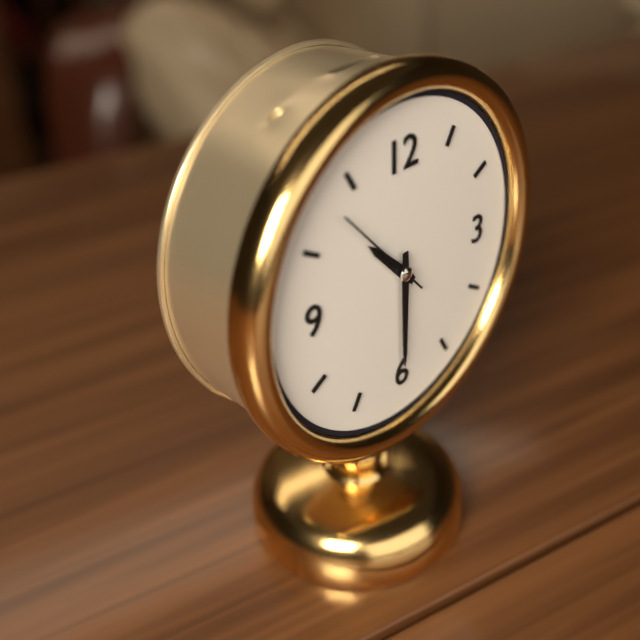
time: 10:30:53
